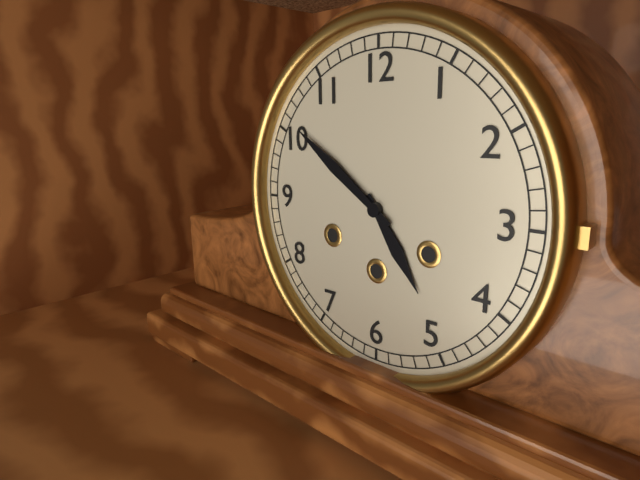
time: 4:51
